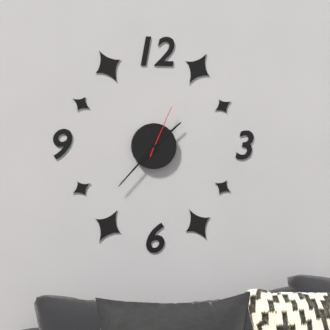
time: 1:37:04
